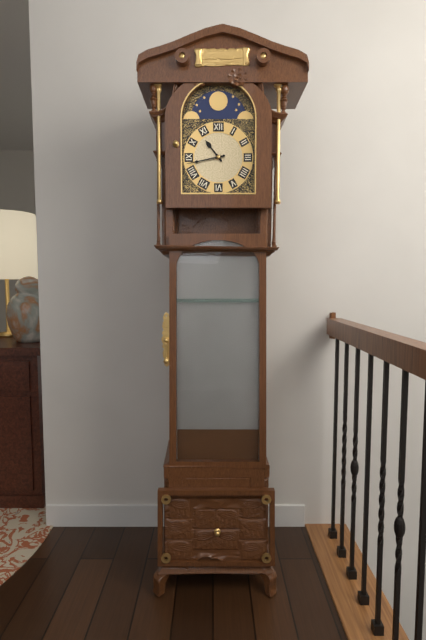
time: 10:43
